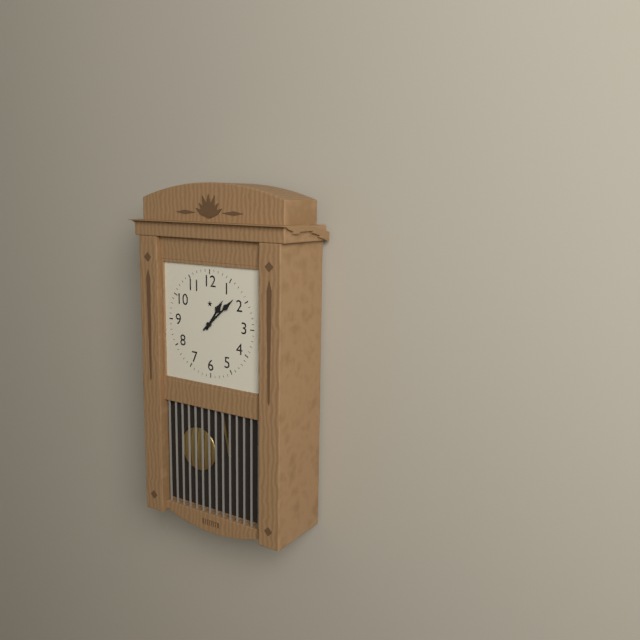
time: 1:08
